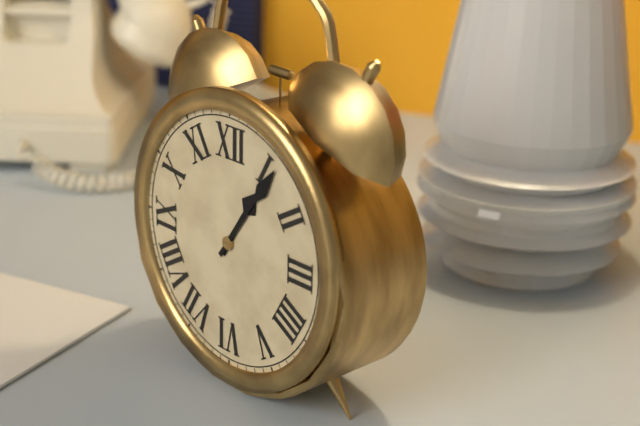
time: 1:06
